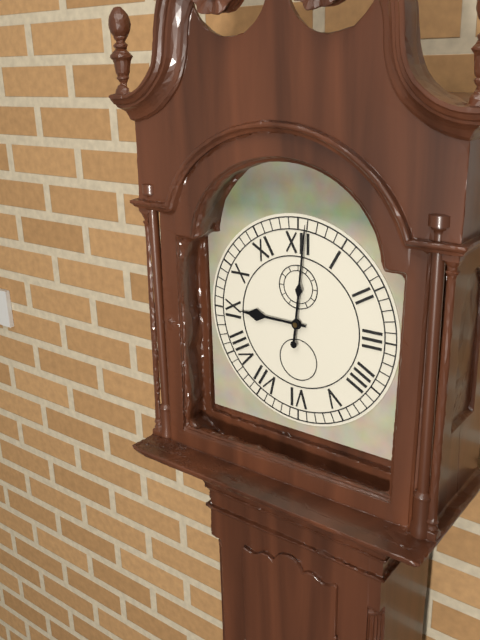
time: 9:01
